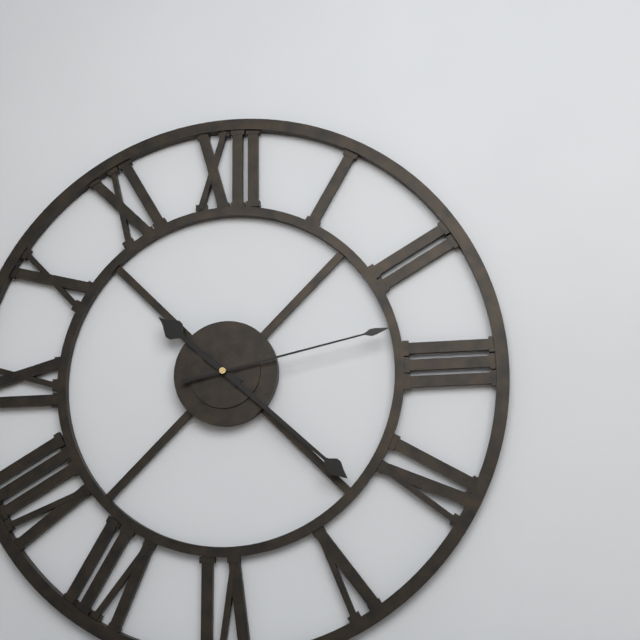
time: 10:22:13
